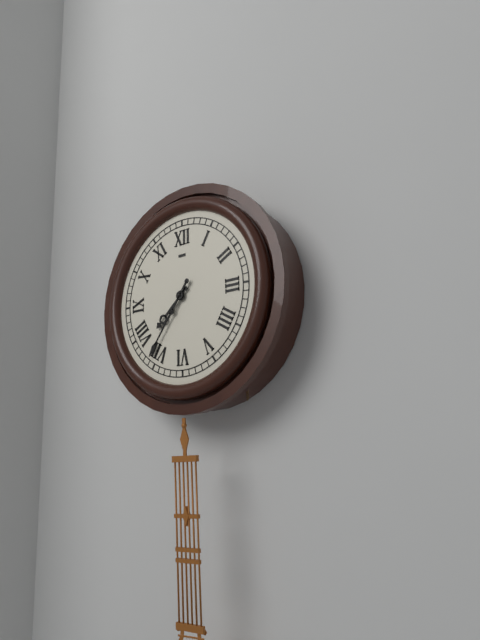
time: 7:36
